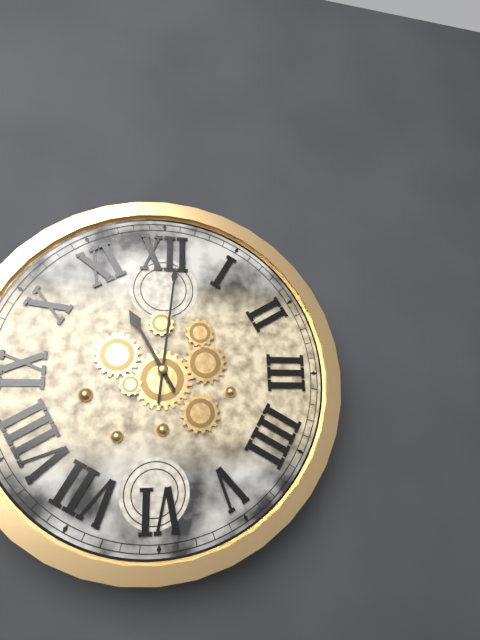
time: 11:01
